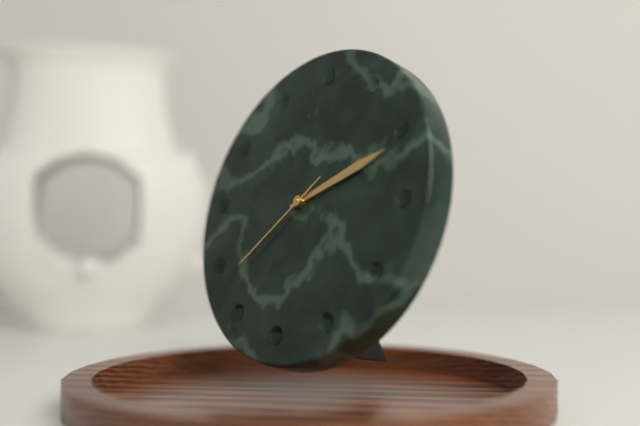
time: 2:11:38
